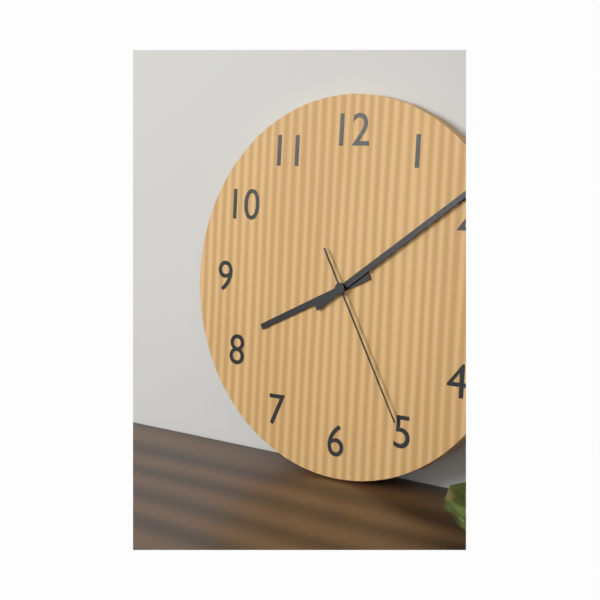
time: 8:09:25
